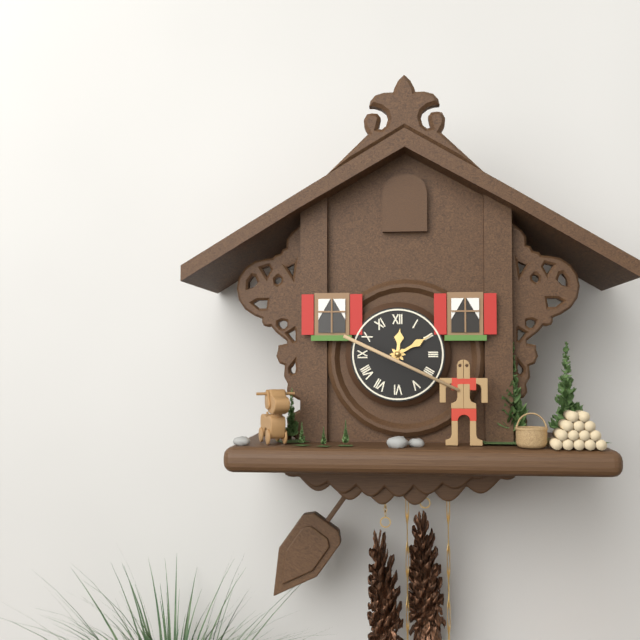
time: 12:10
